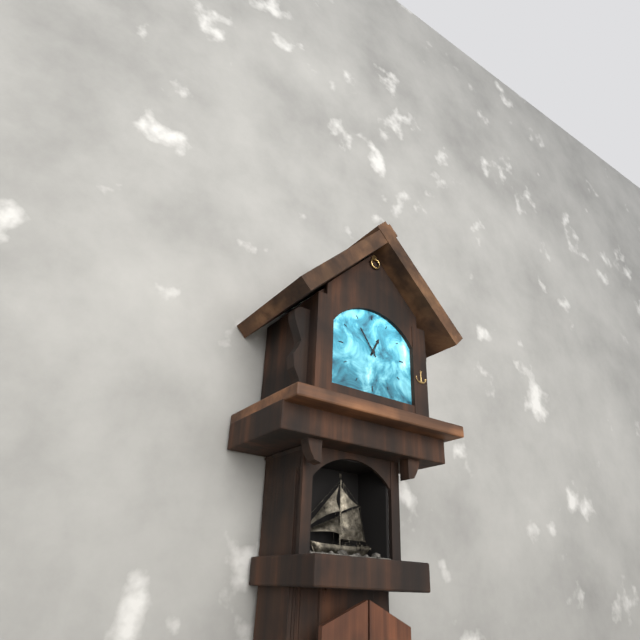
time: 12:54
